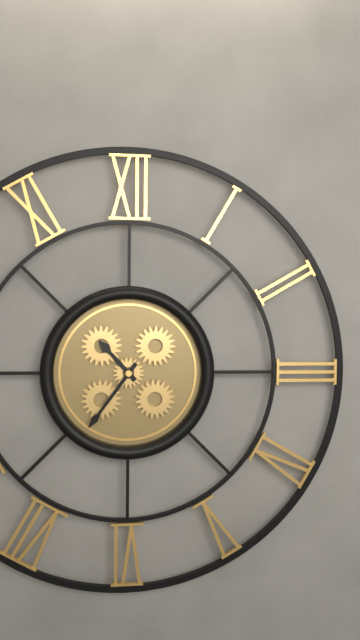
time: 10:36
